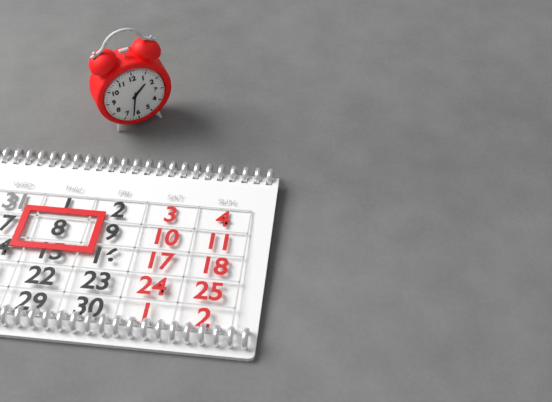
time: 1:32
